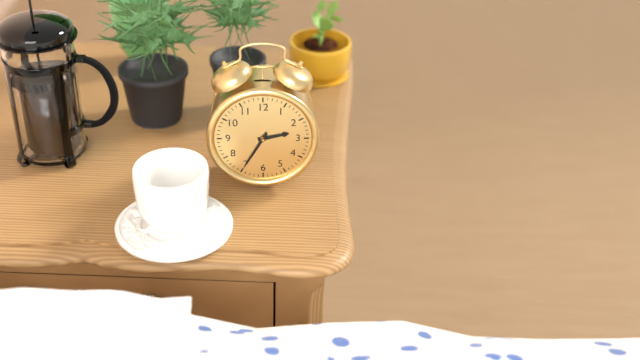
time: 2:35
